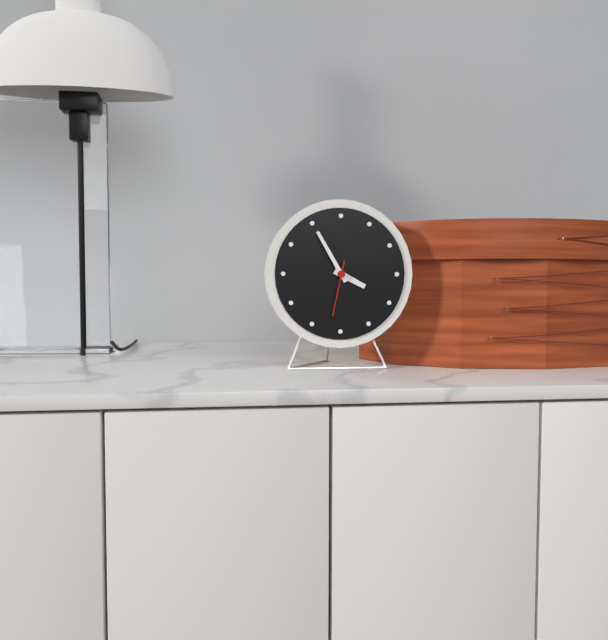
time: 3:55:32
